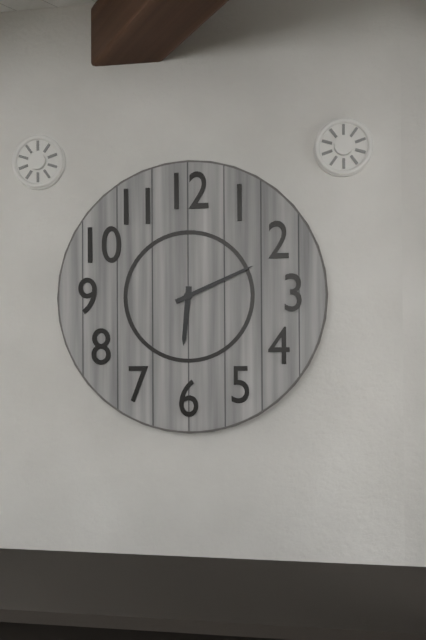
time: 6:11
